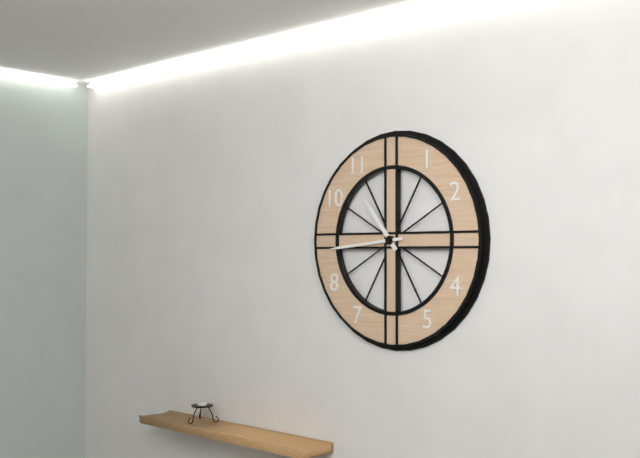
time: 10:44
